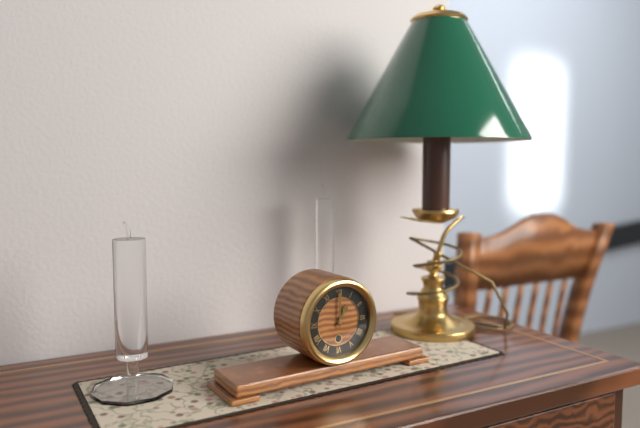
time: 1:00
